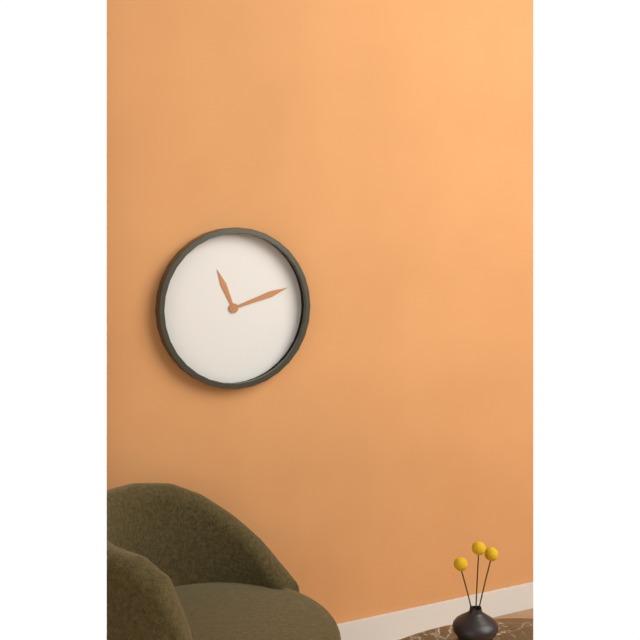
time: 11:12
